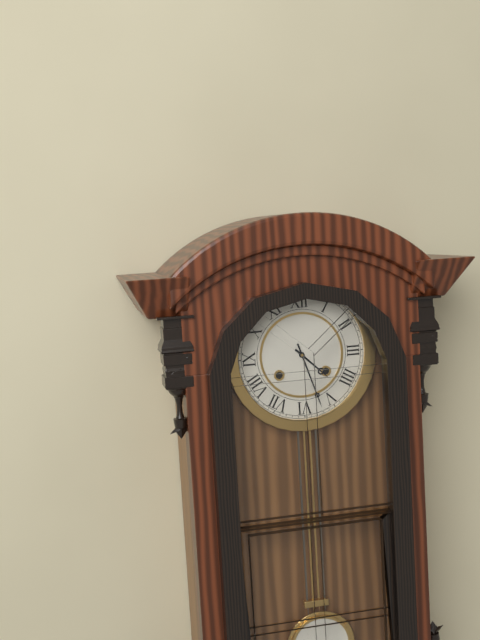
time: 4:27
